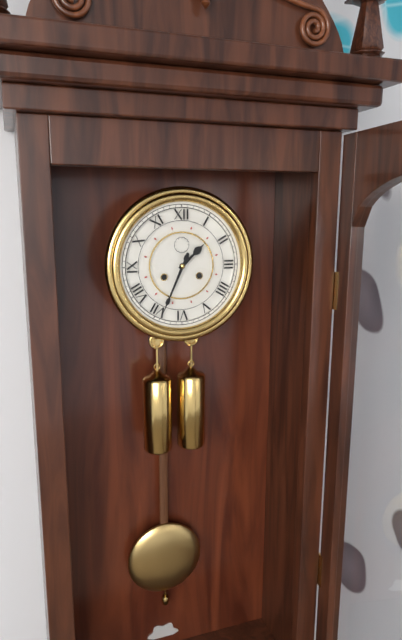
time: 1:34
